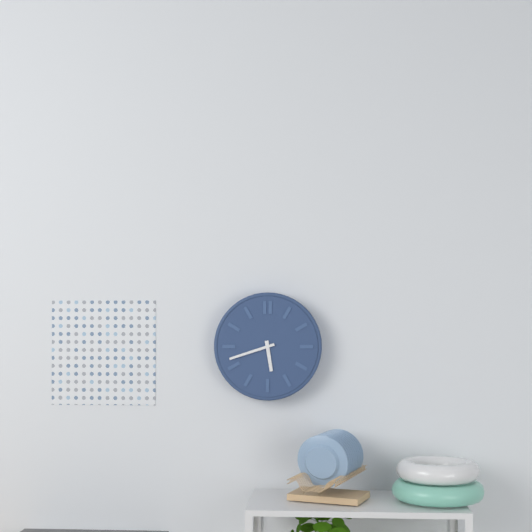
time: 5:42
